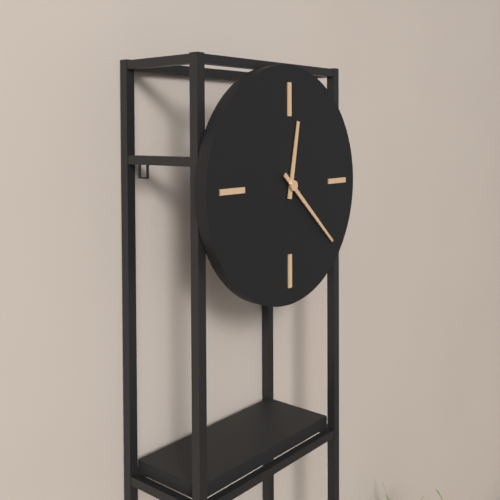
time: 12:22
